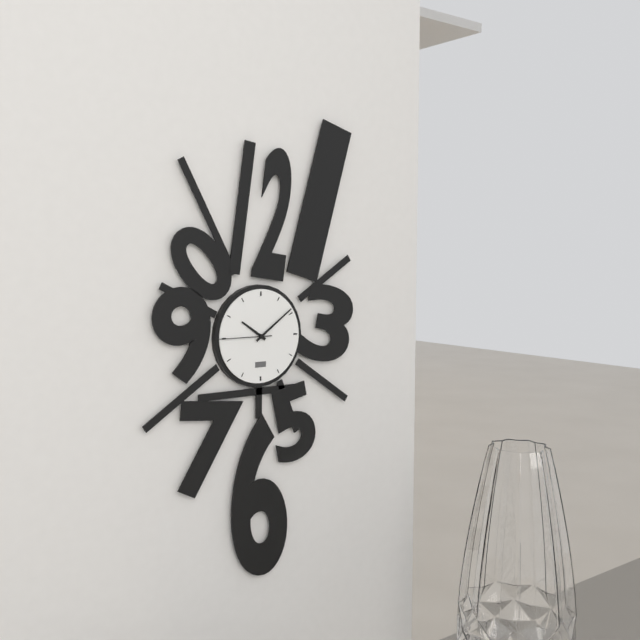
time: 10:09:45
